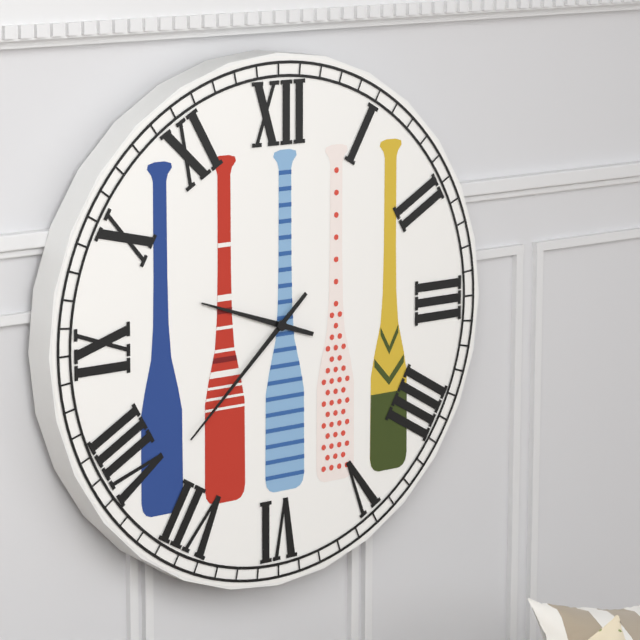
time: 9:38
